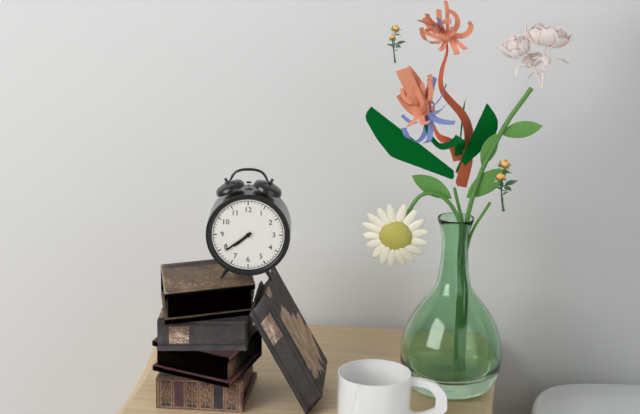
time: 7:39
